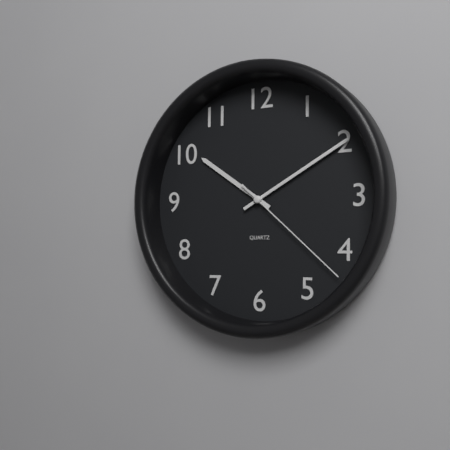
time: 10:10:22
